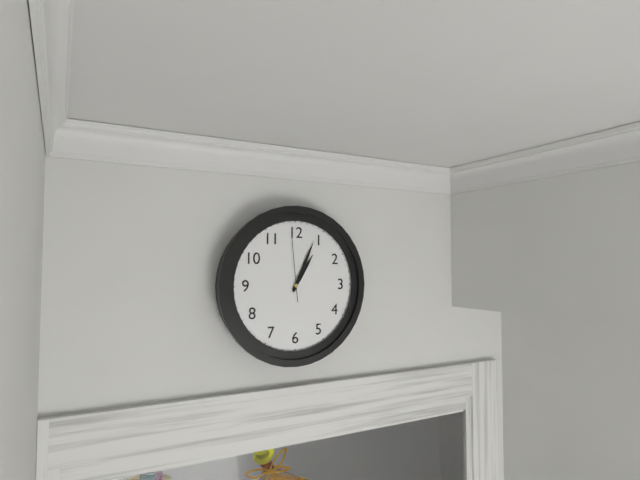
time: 1:04:59
